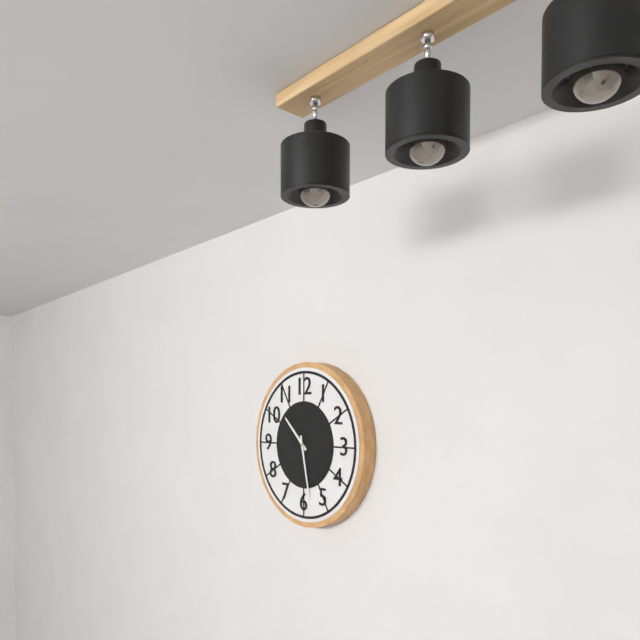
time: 10:28
